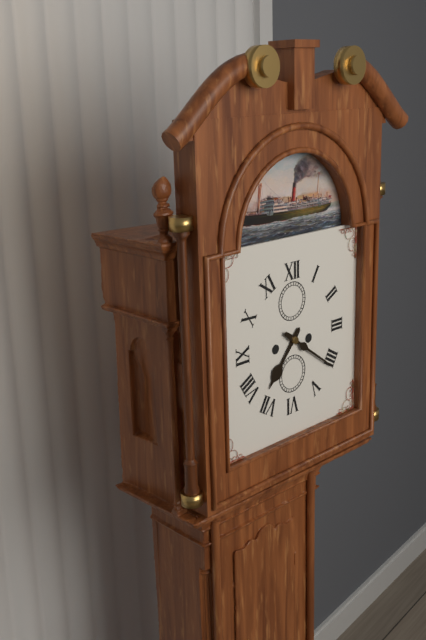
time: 7:21
